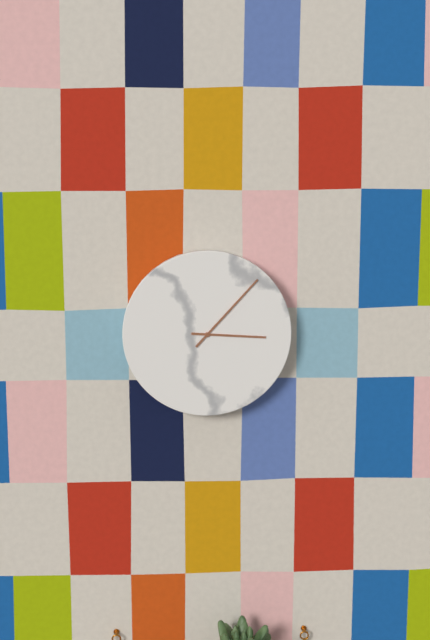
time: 3:07
